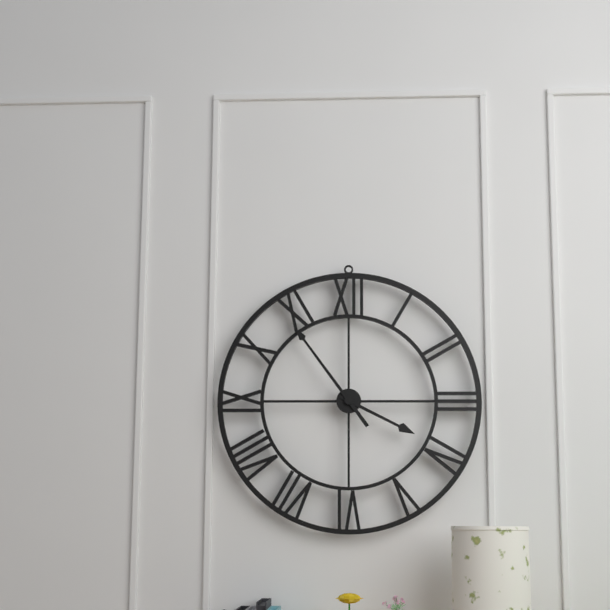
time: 3:54
